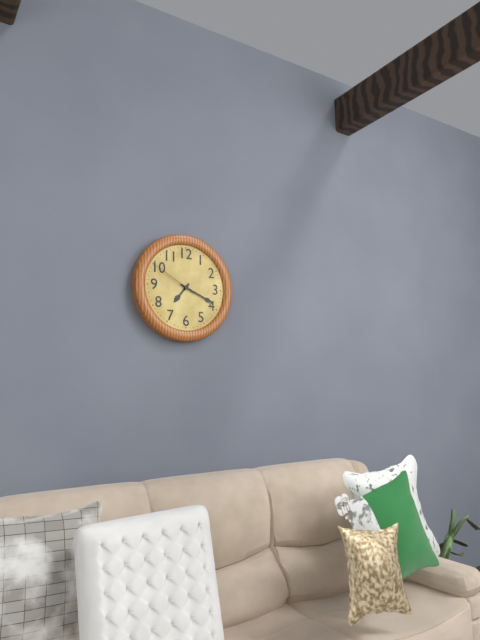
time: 7:19
